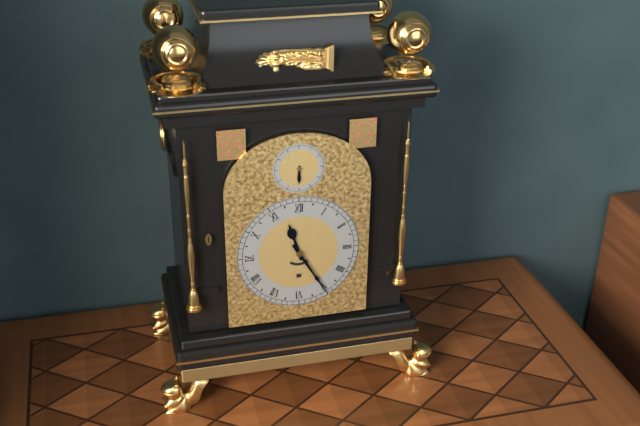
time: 11:25
